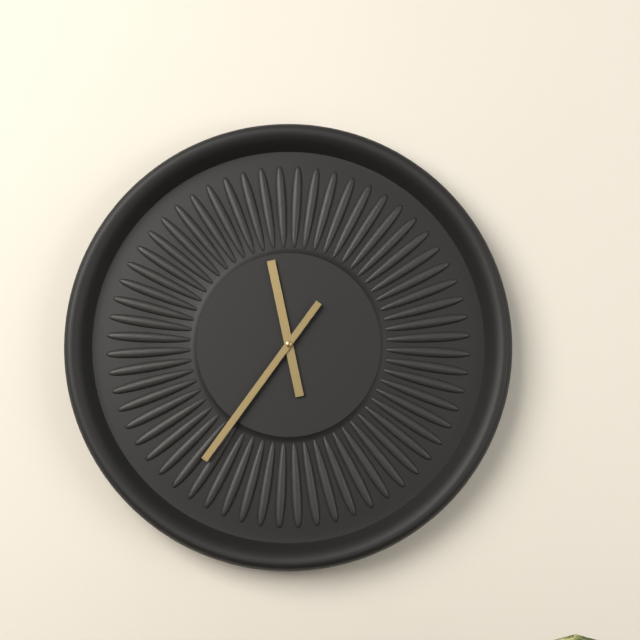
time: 11:36
